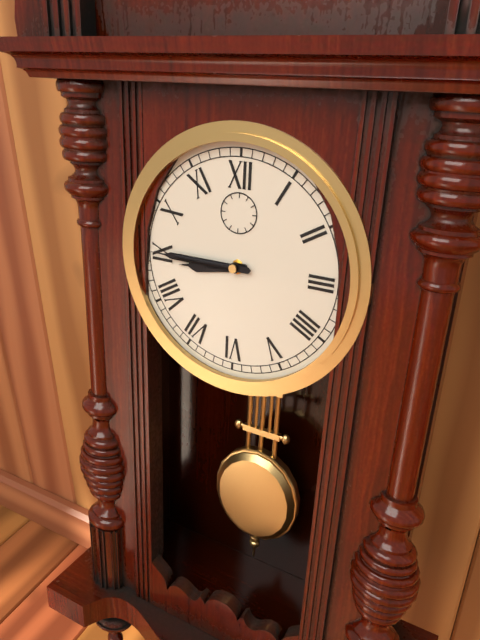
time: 8:45
